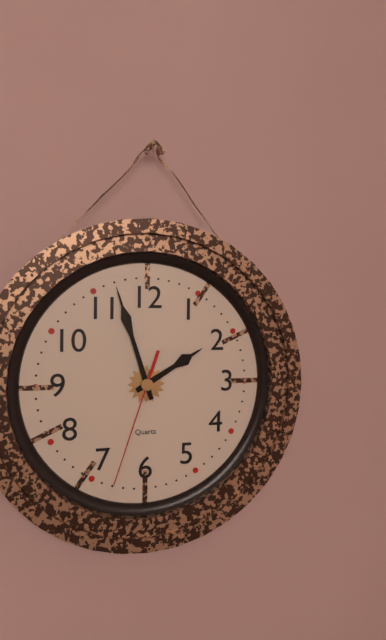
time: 1:57:33
